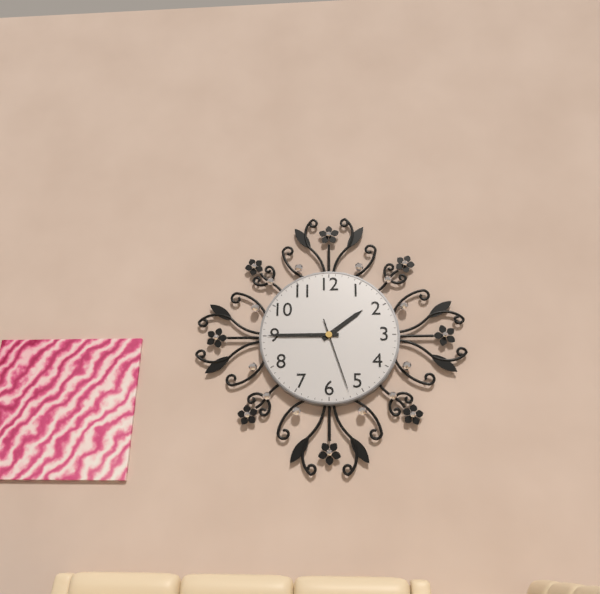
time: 1:45:27
